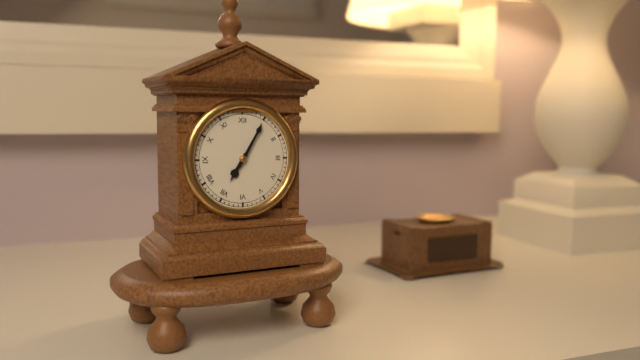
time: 7:05
